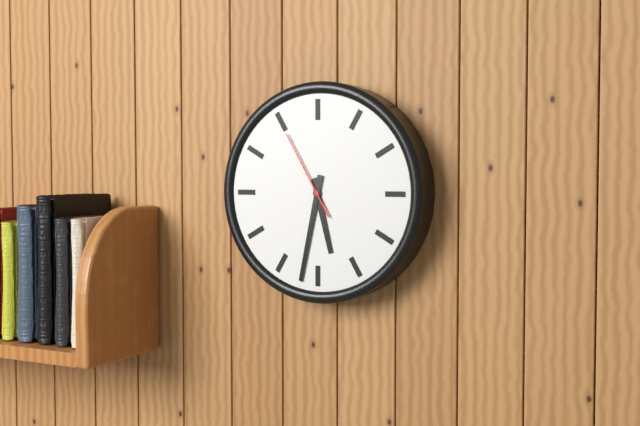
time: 5:32:55
